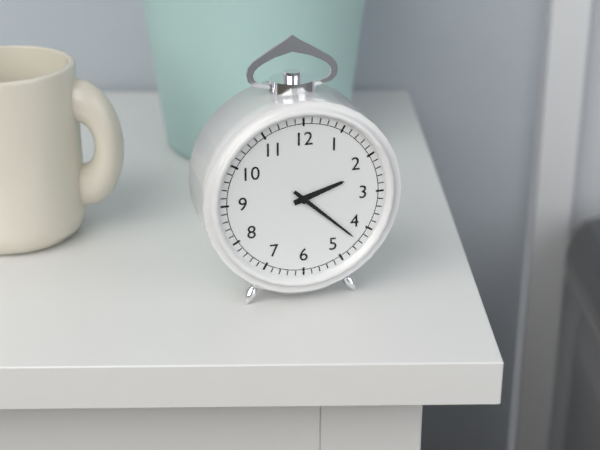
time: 2:22
